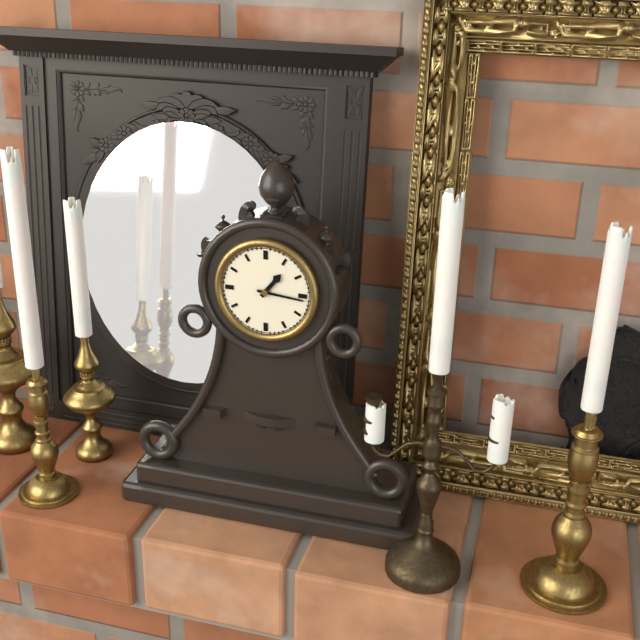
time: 1:16
